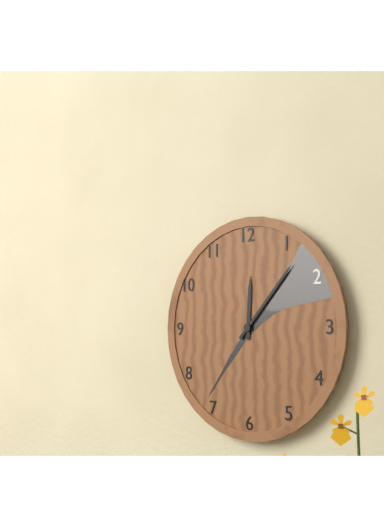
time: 12:07
